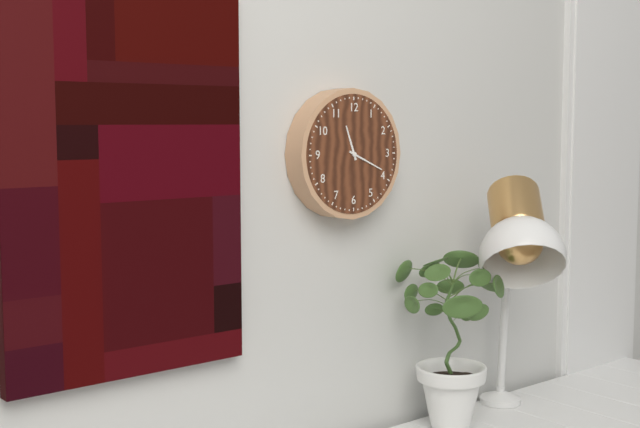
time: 11:19
